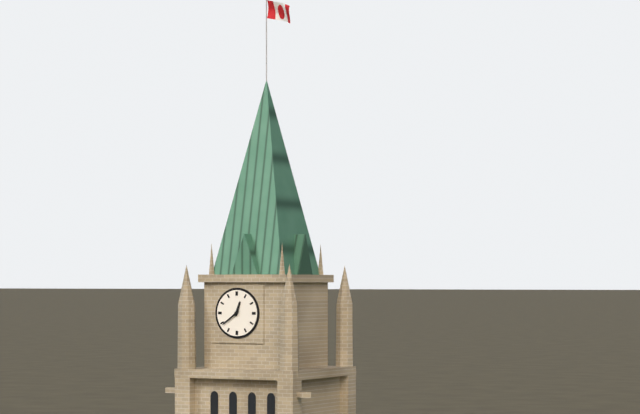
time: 12:39
